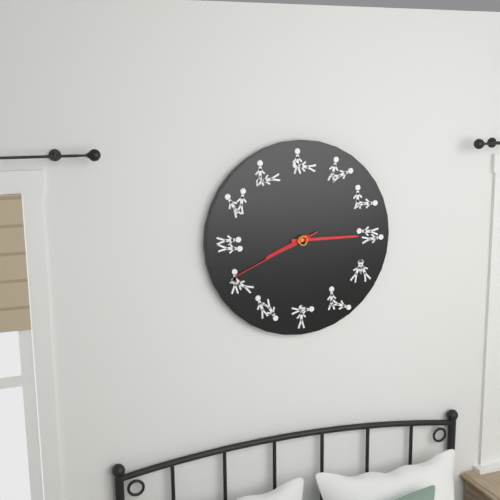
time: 8:15:41
